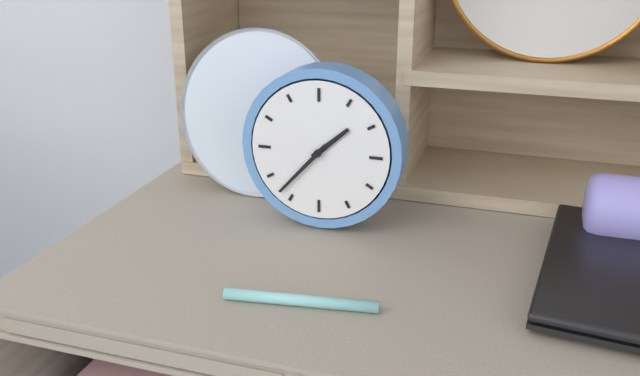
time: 1:37
